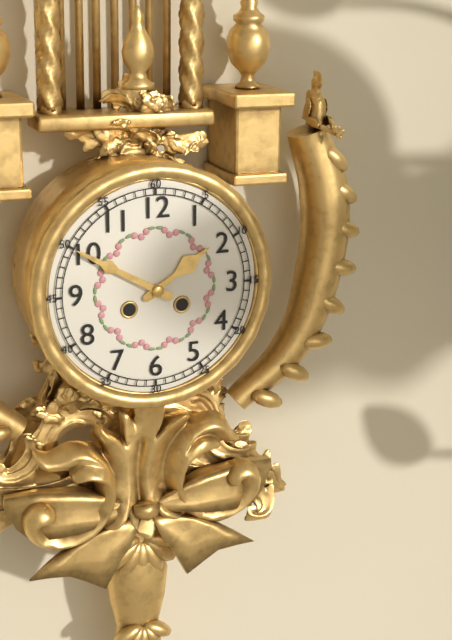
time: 1:50
